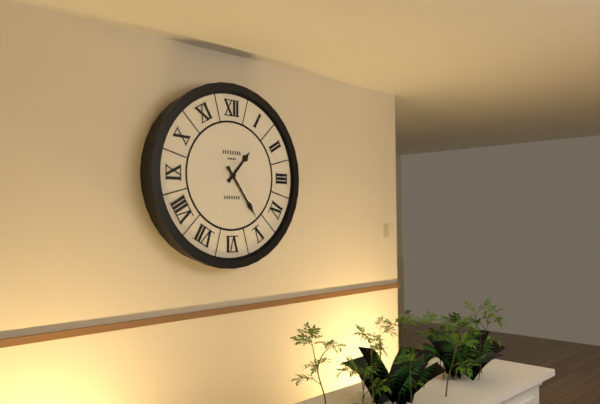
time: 1:24
